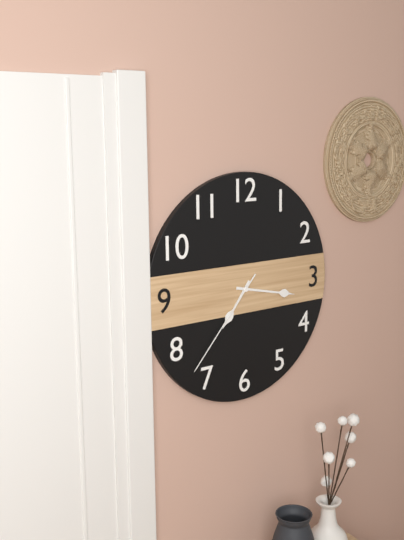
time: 7:17:37
